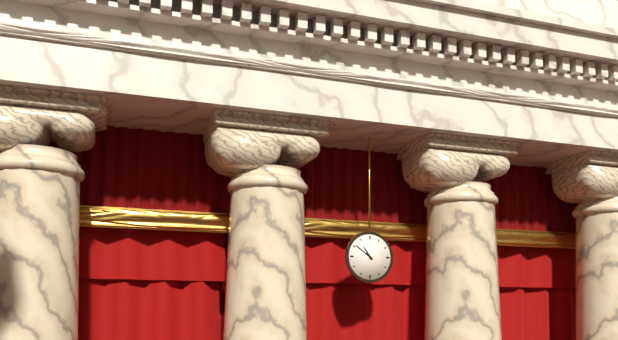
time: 10:51
